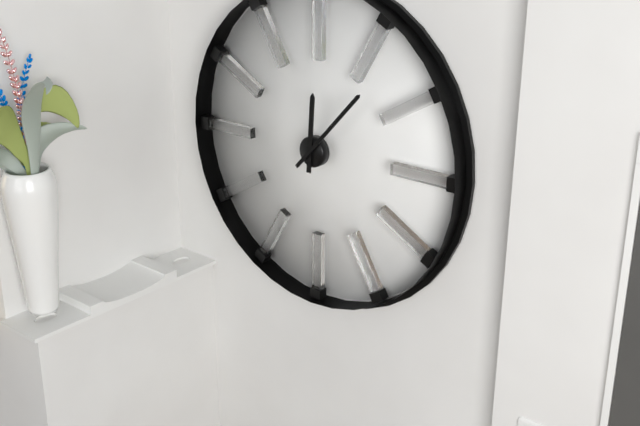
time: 12:07
